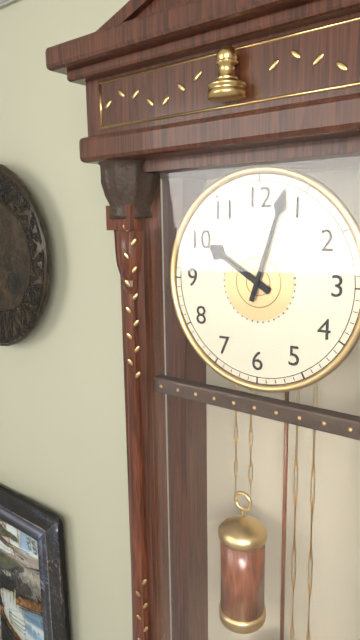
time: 10:03
